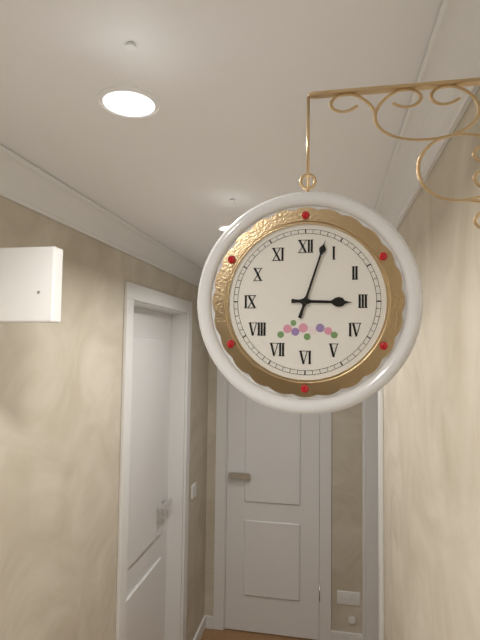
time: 3:03
